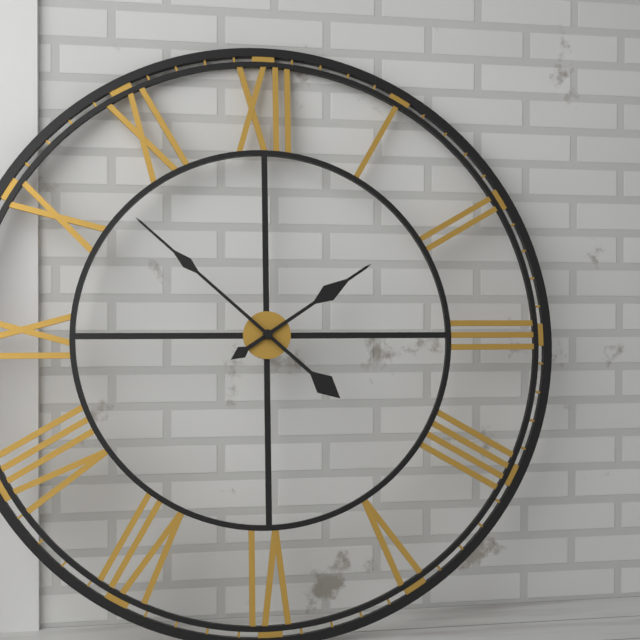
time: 1:52
